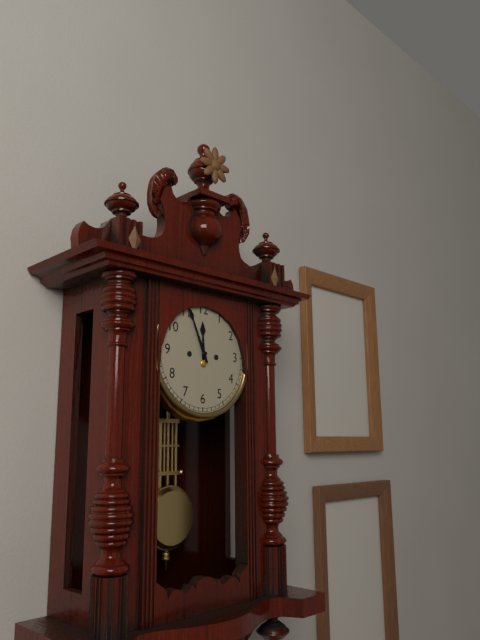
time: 11:56
